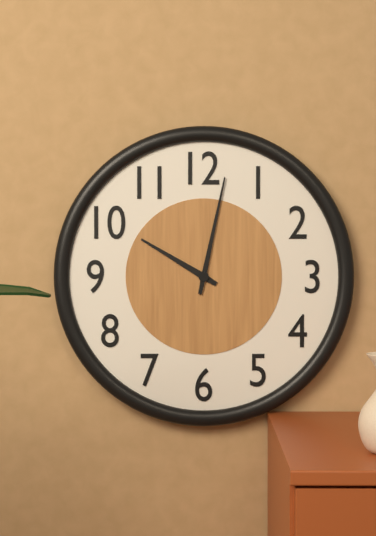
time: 10:02
